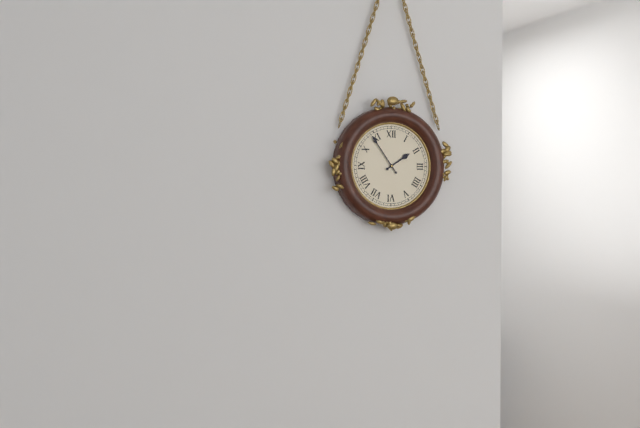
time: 1:54
